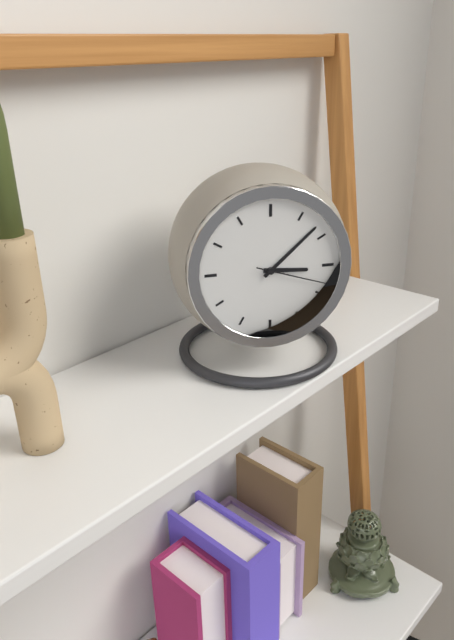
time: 3:08:18
